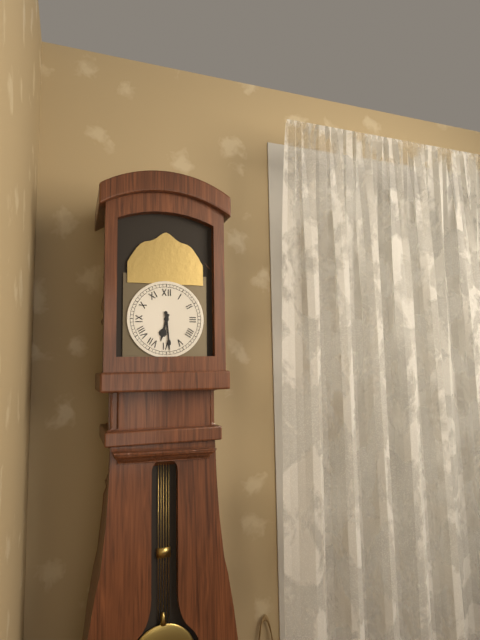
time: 6:29
